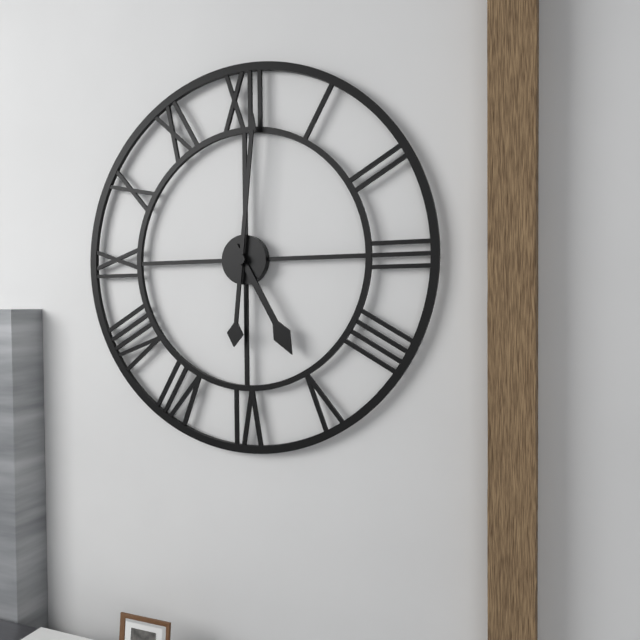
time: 5:01
